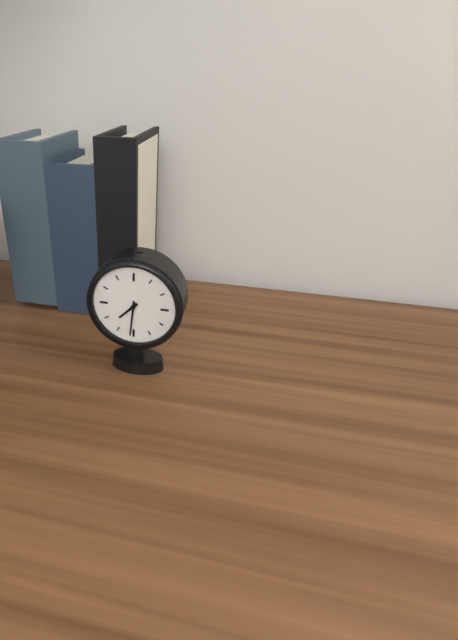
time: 7:31
